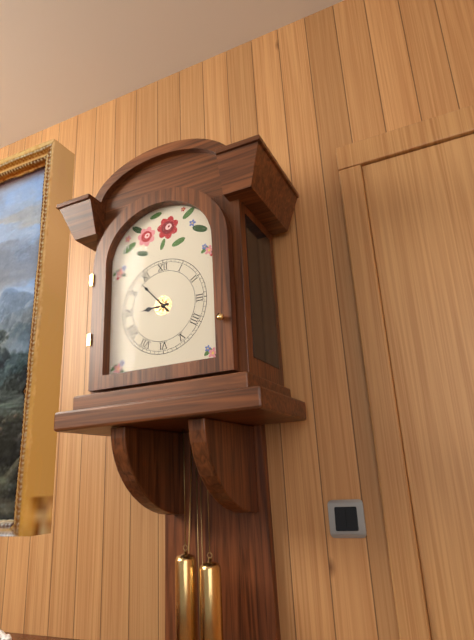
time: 8:53
